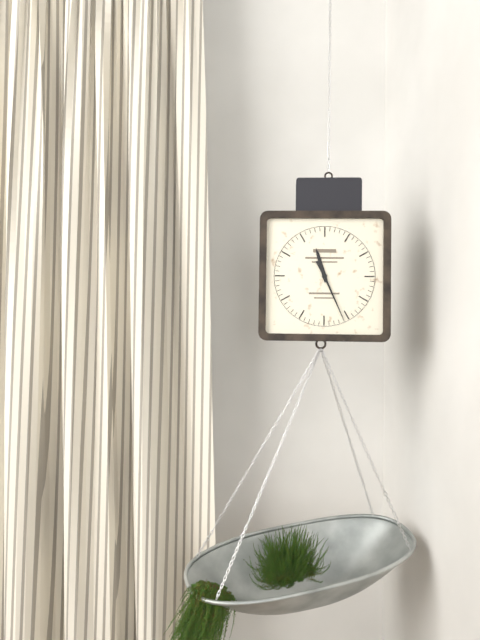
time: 11:26
